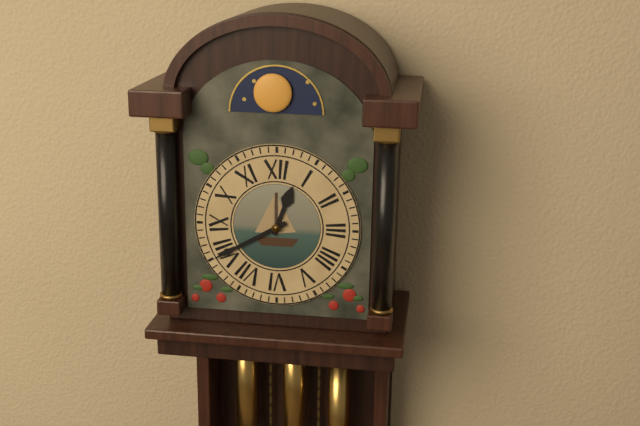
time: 12:40
